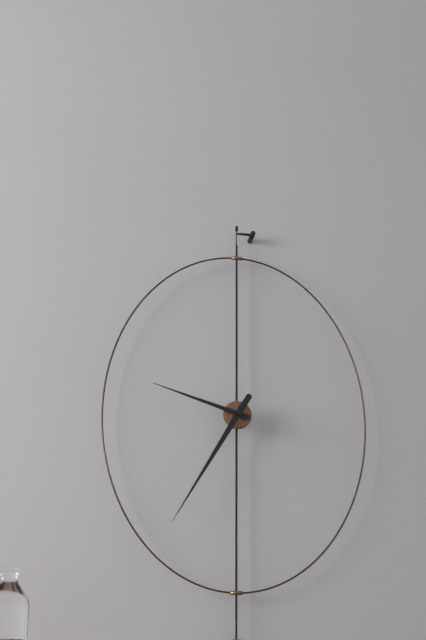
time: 9:35
